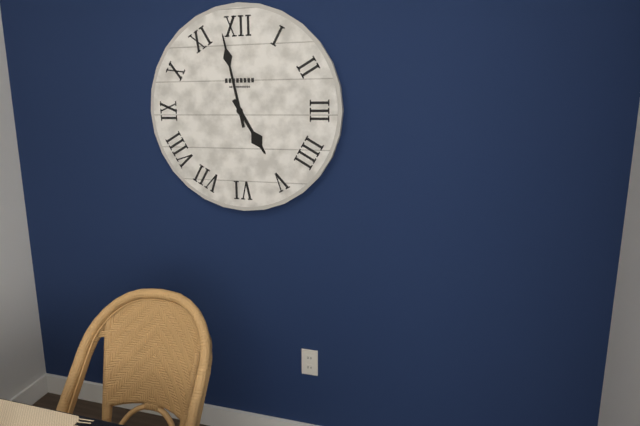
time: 4:58
